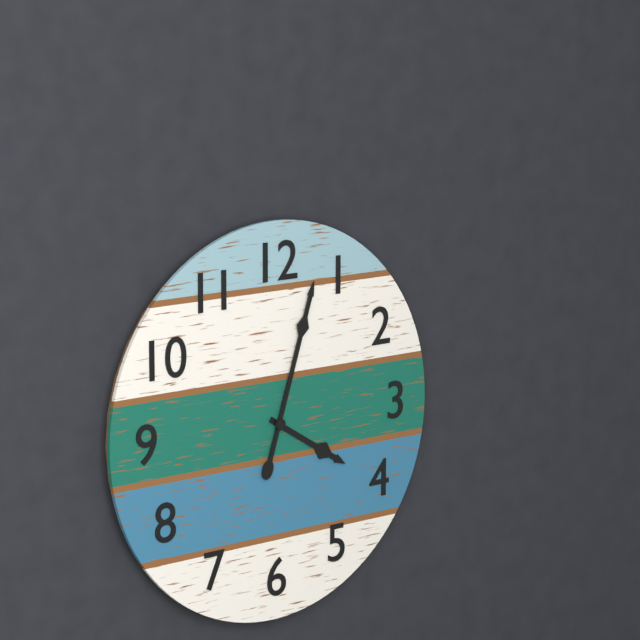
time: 4:03
